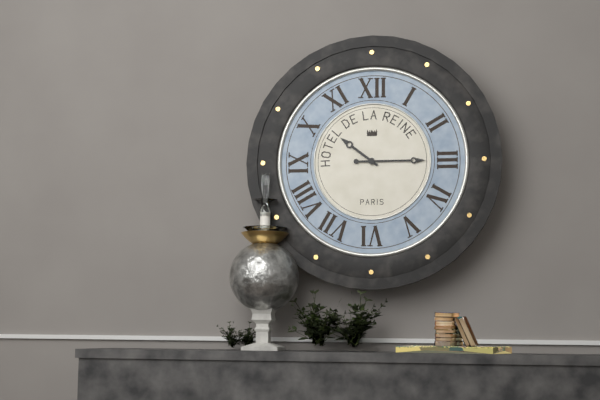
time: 10:15
